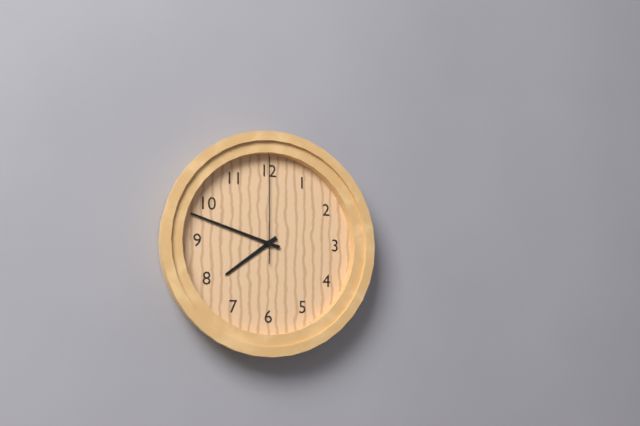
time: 7:48:00
